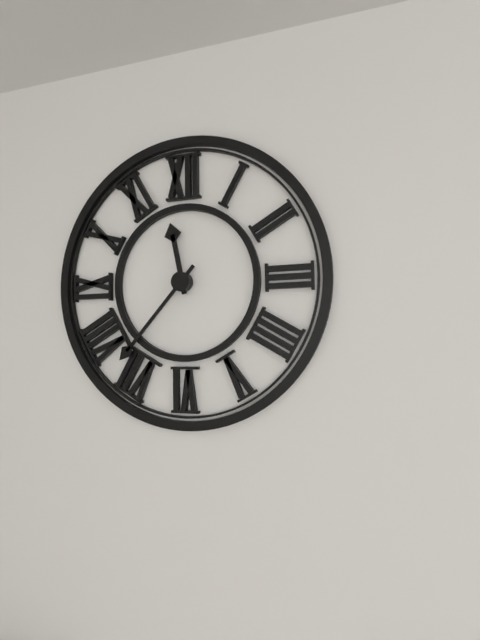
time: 11:37
